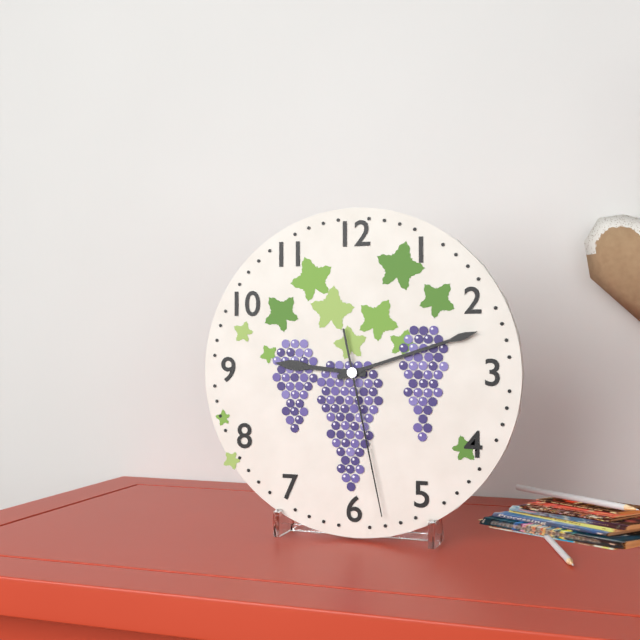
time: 9:12:28
